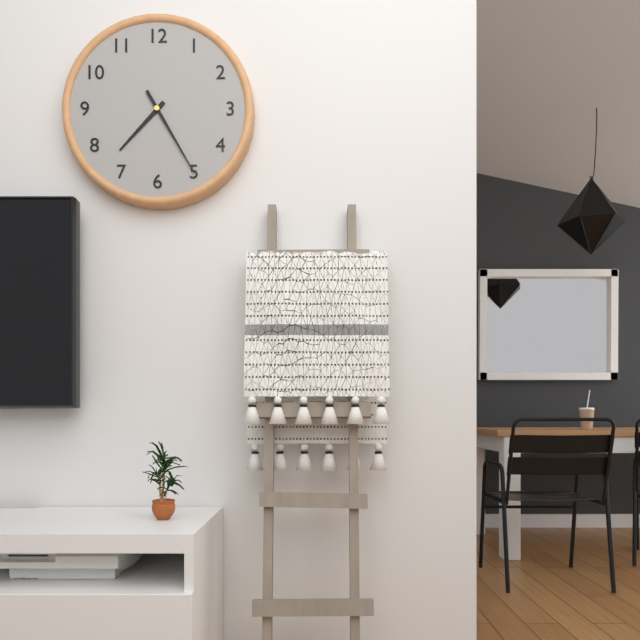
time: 7:25
